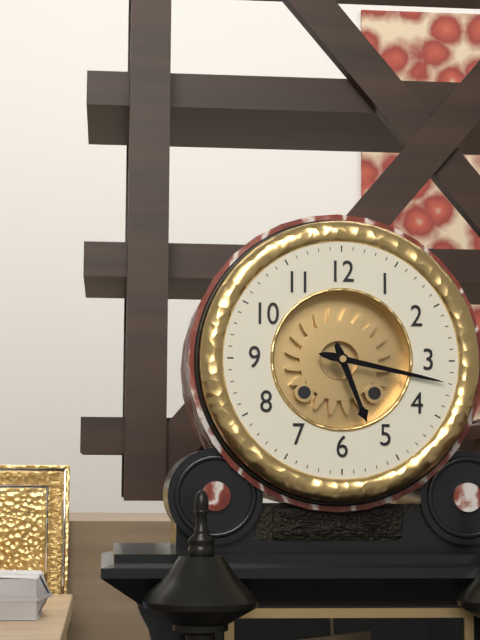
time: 5:17
